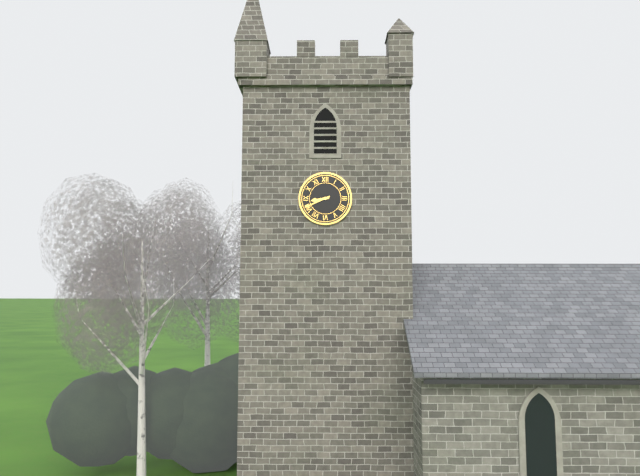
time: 8:41
